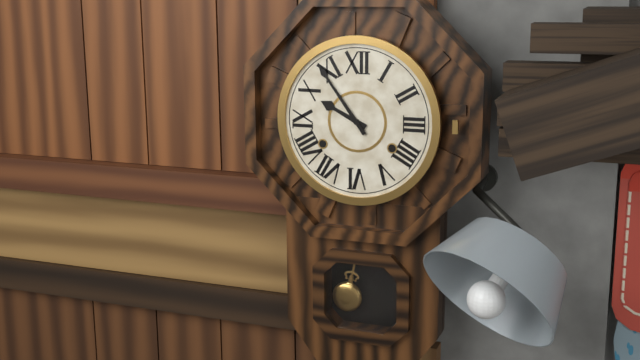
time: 9:54
